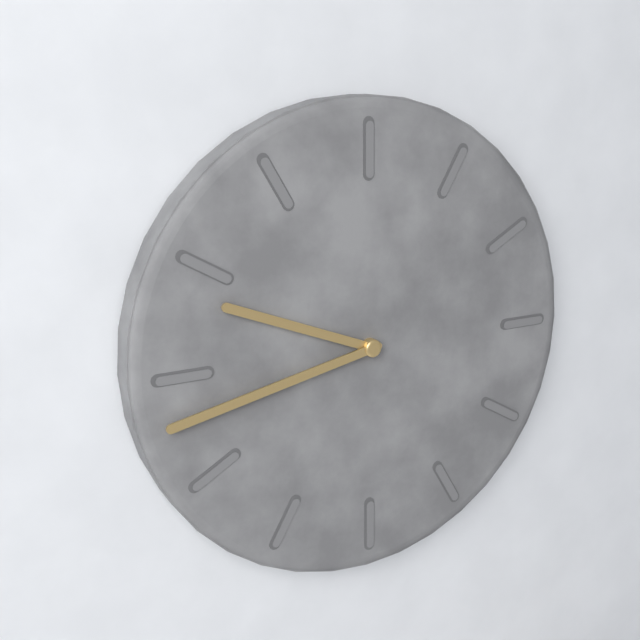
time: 9:43
